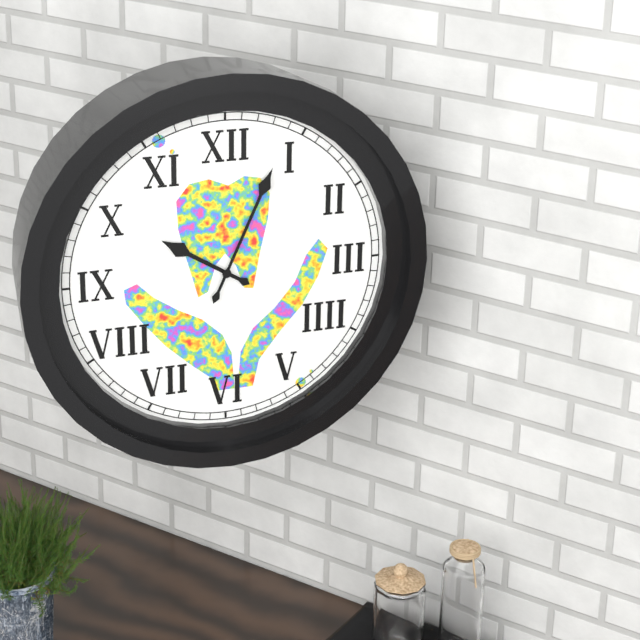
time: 10:04
